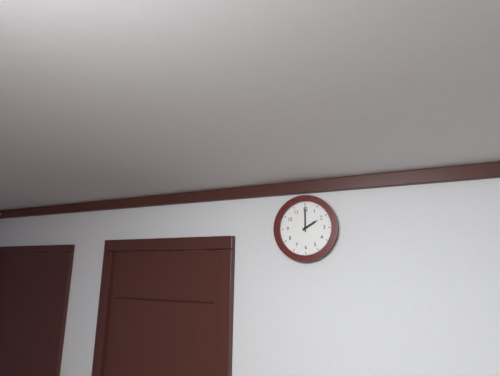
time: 2:00
